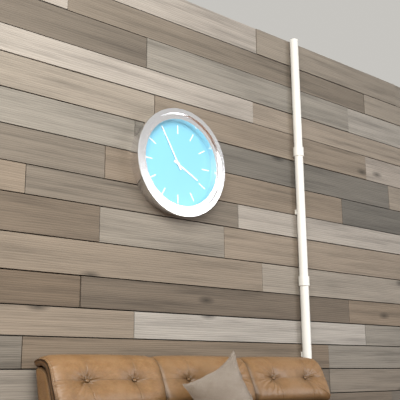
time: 3:55
